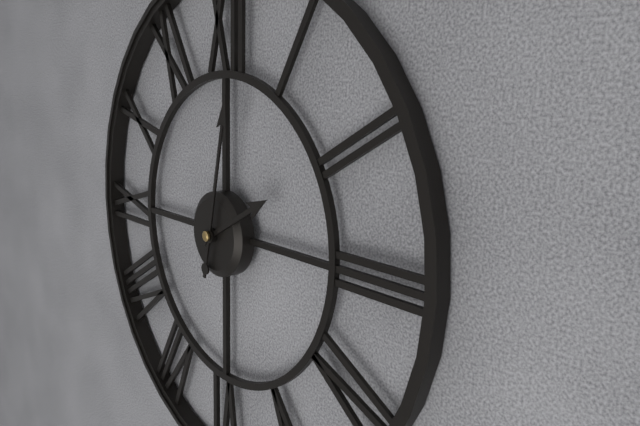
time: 2:02
